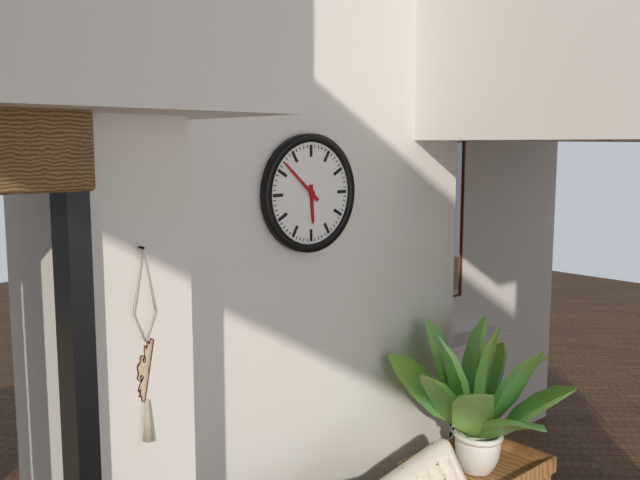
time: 5:52
